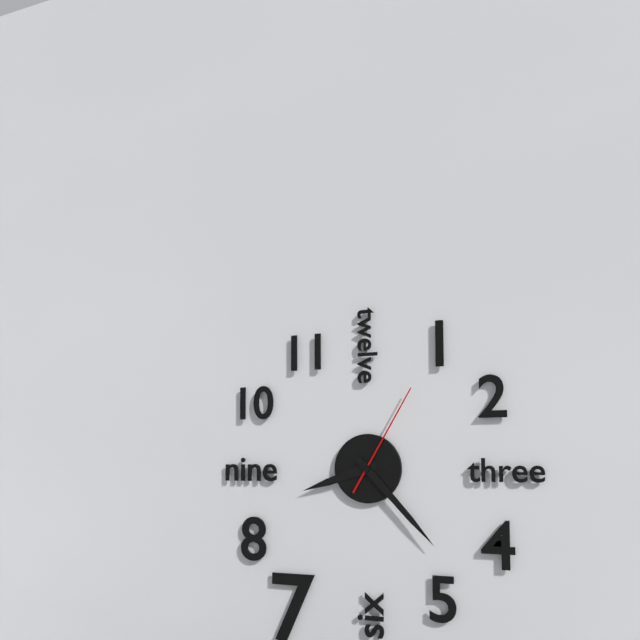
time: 8:23:05
